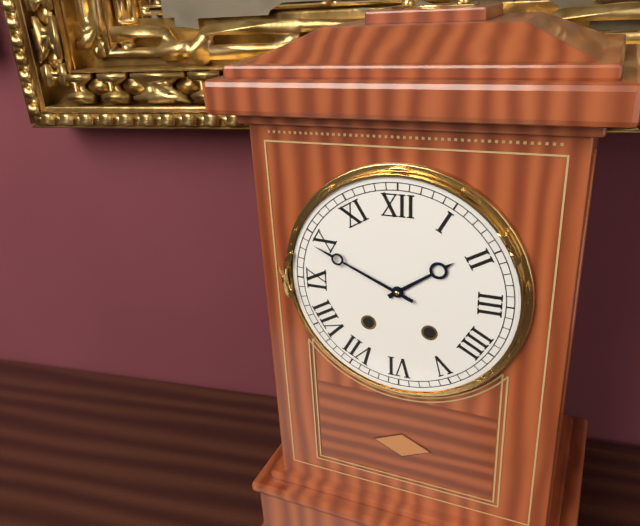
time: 1:49
